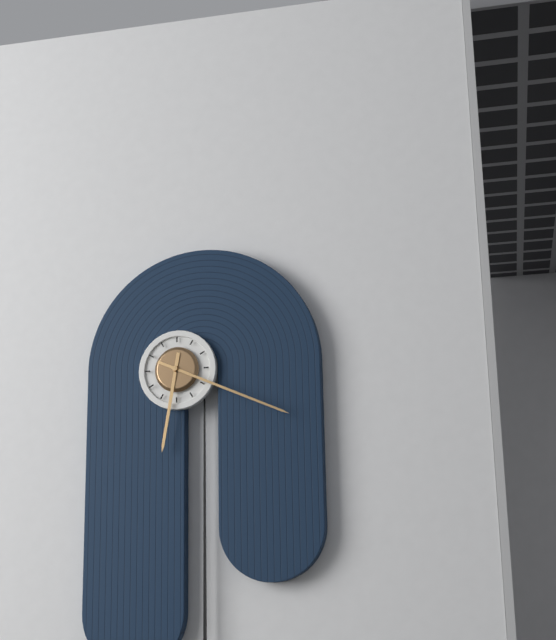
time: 6:19
